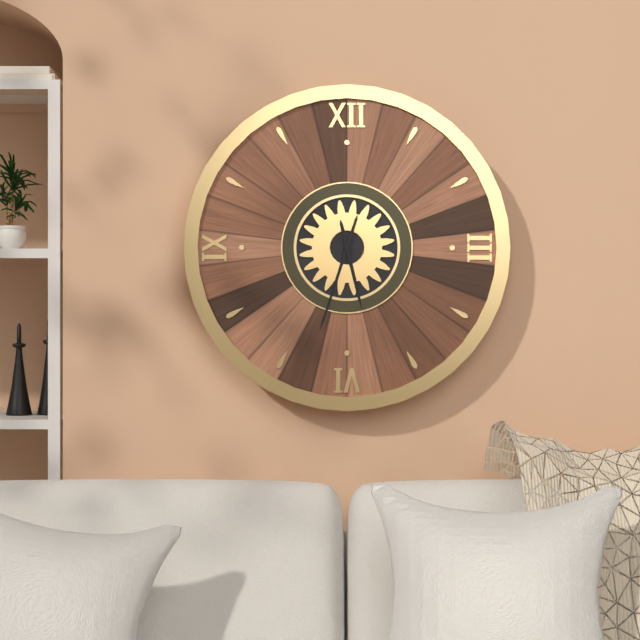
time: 5:33
